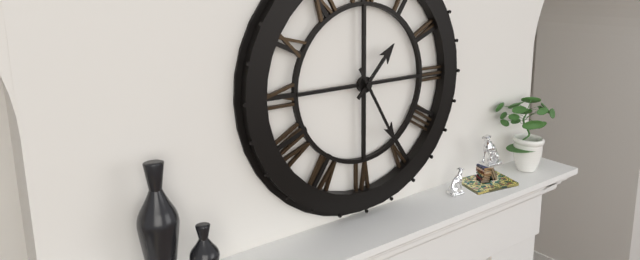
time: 1:25
